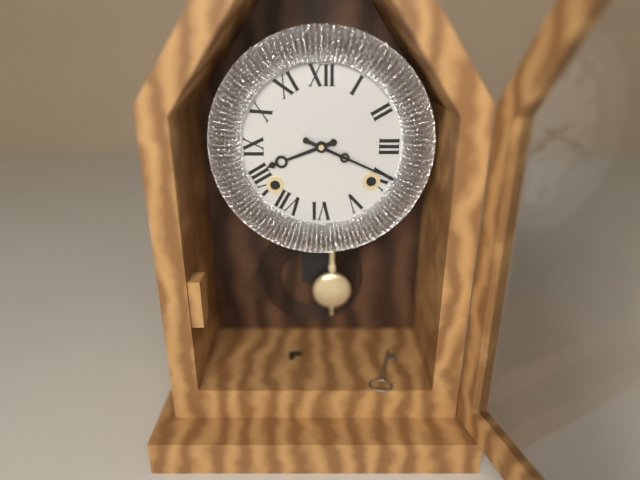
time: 8:19
